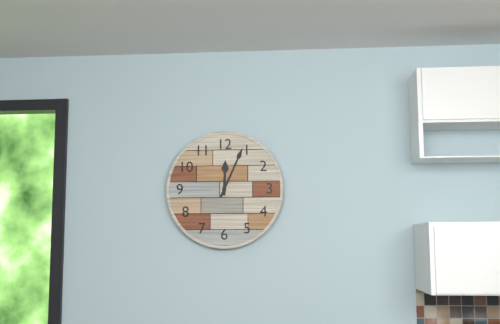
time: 12:04
